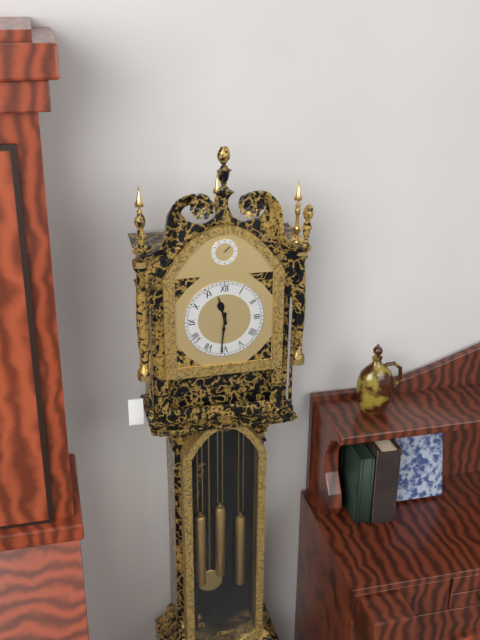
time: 11:31
